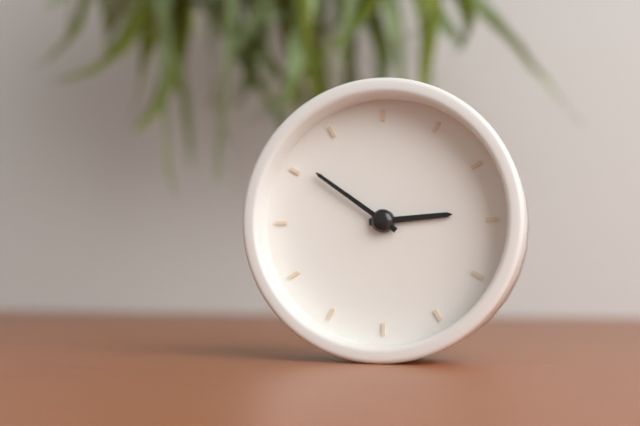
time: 2:51
